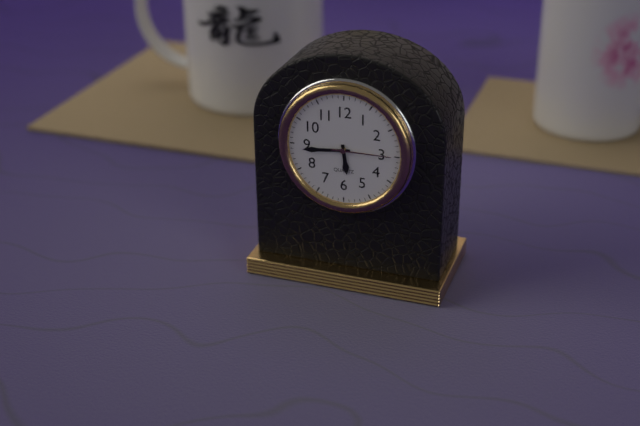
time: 5:44:15
